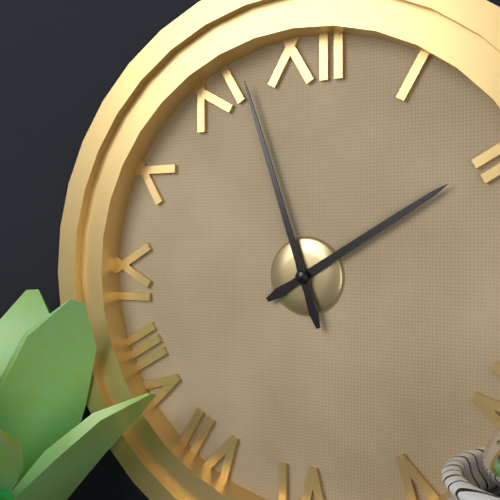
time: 1:57
